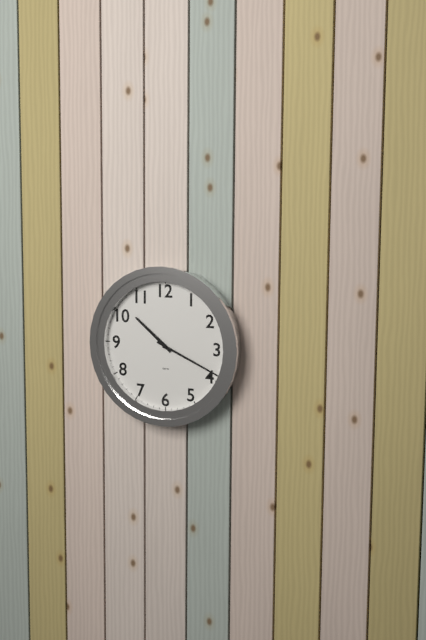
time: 10:19
